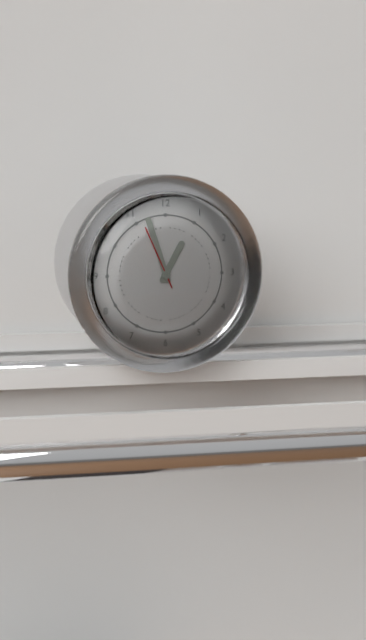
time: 12:57:56
